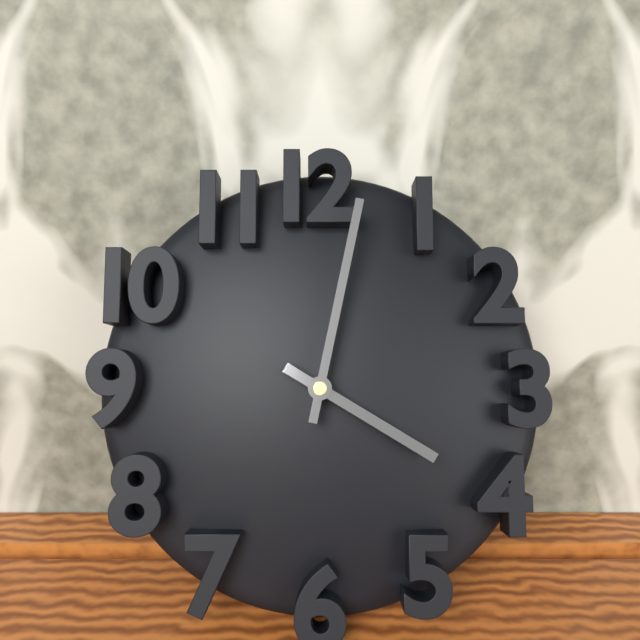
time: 4:02
